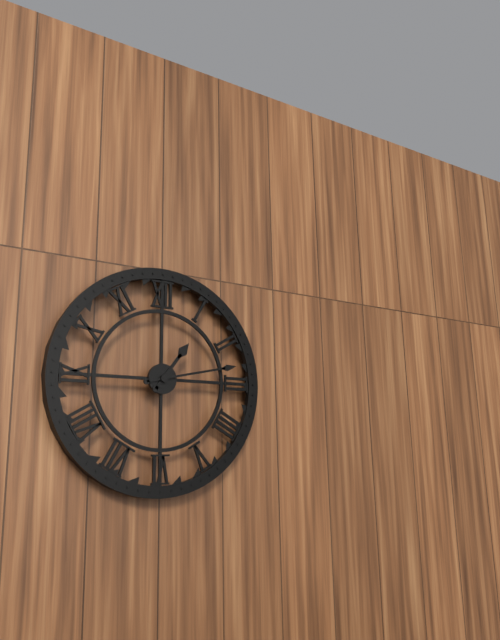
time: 1:13
